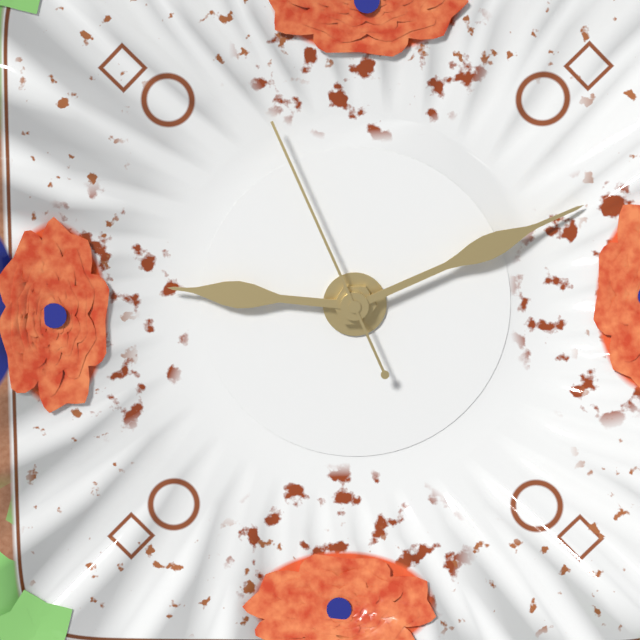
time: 9:11:56
